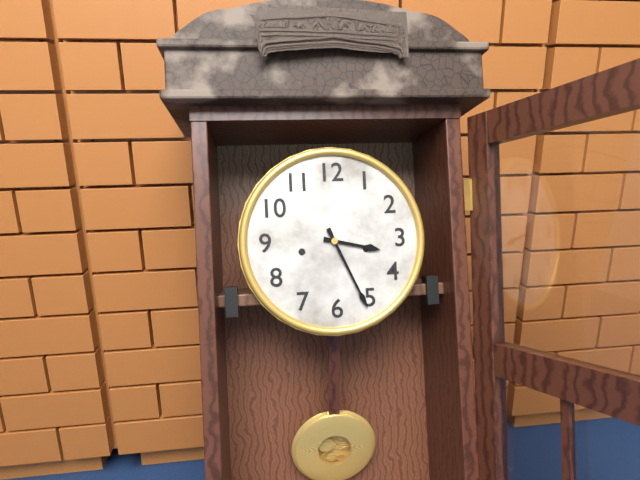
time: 3:26
